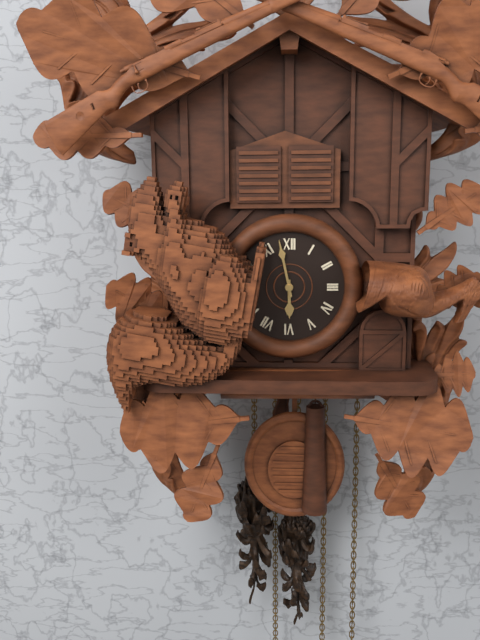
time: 5:58
